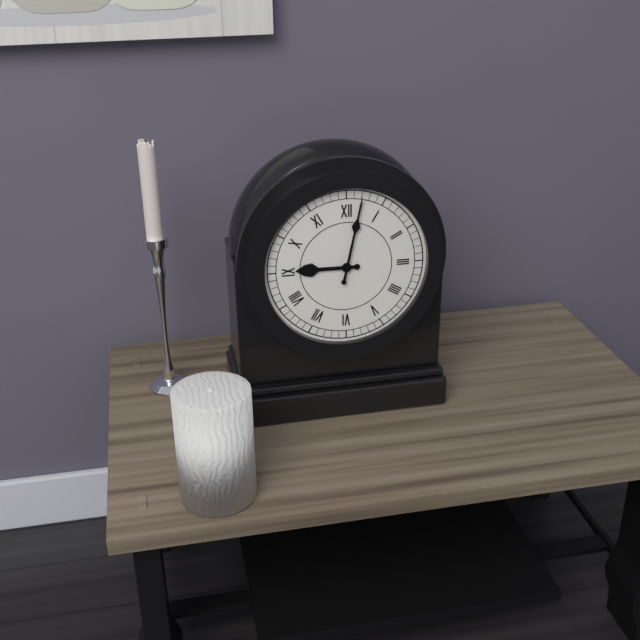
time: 9:02
